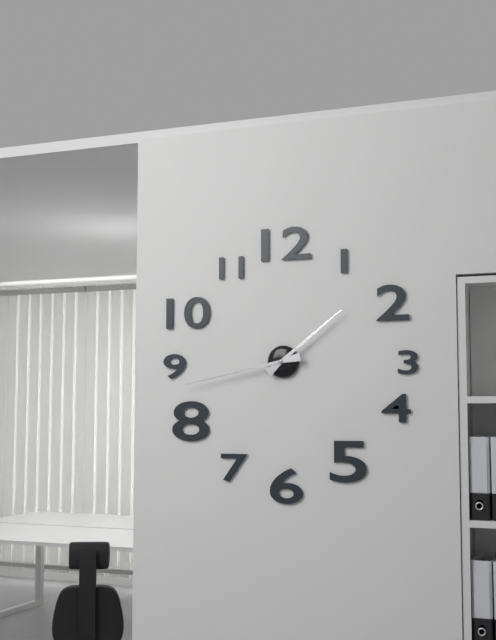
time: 1:43
